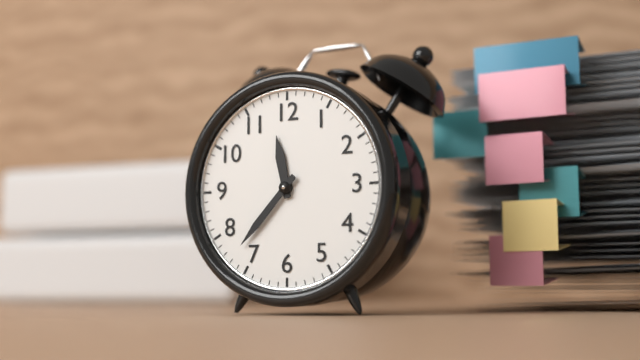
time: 11:37
